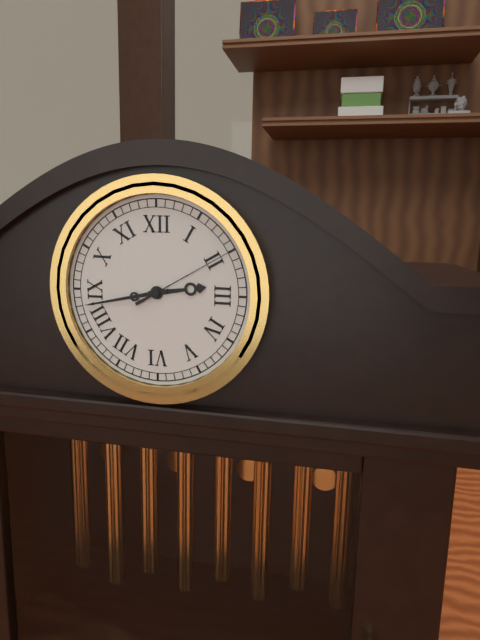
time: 2:43:10
